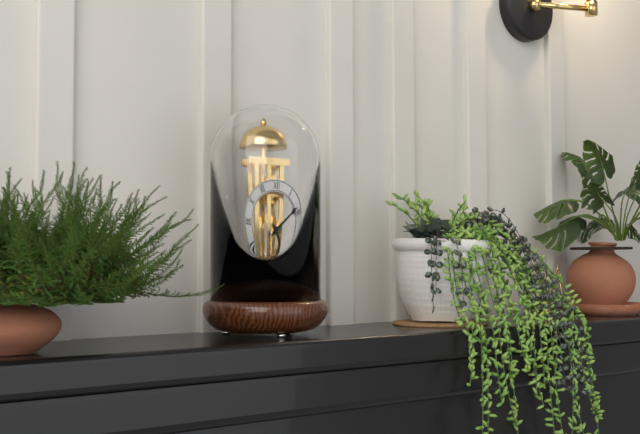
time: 4:09
